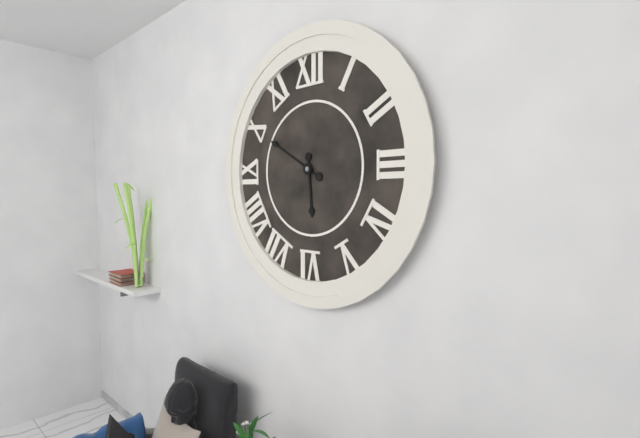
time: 5:50
